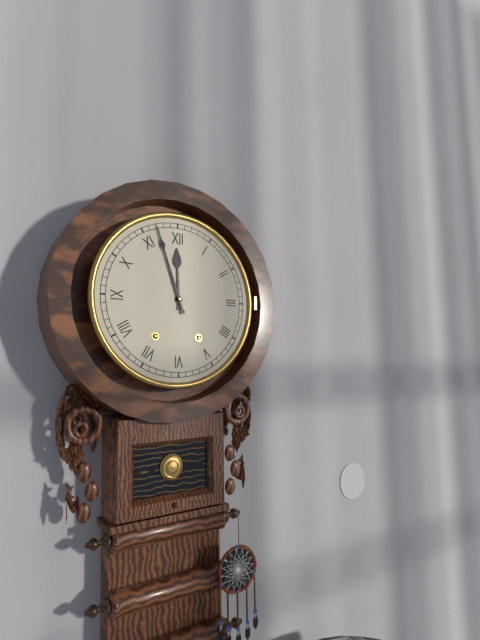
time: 11:57
